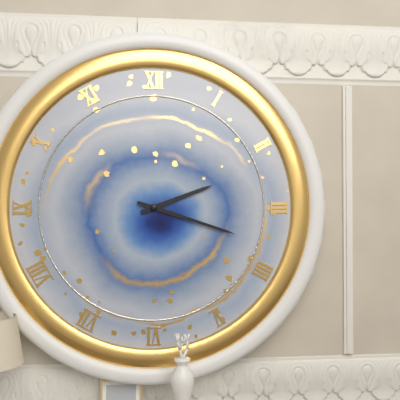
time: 2:18
